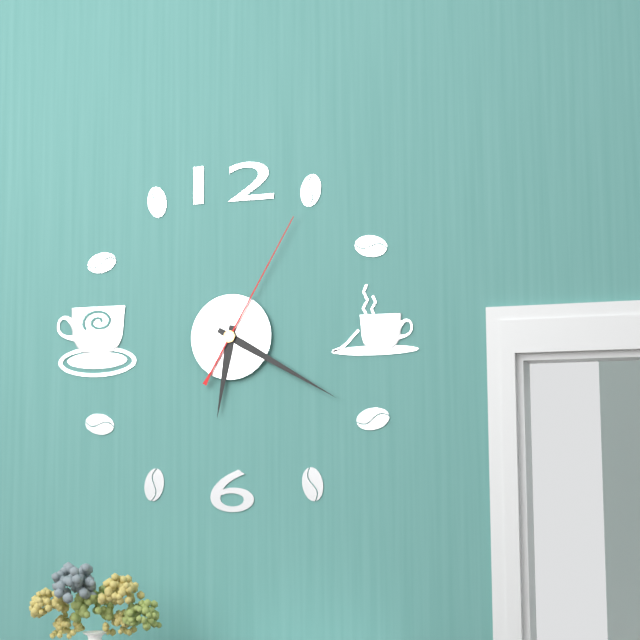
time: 6:20:05
